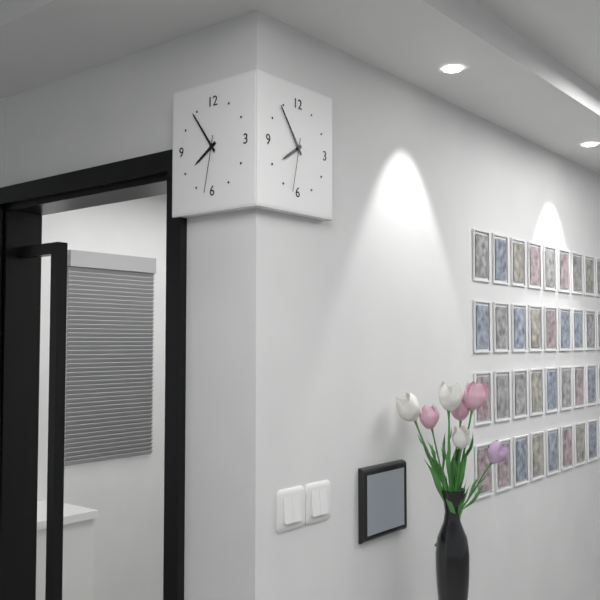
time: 7:54:32
